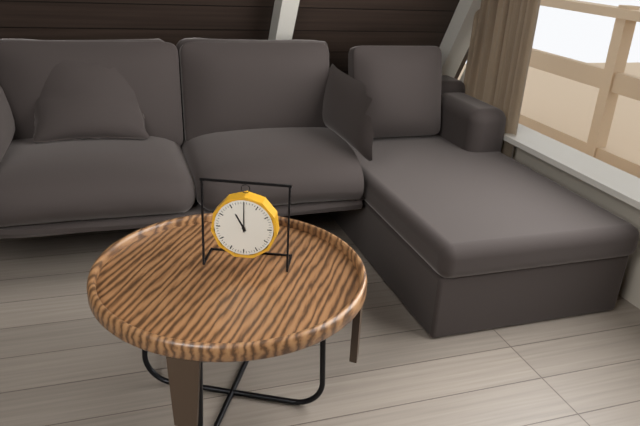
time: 11:00
